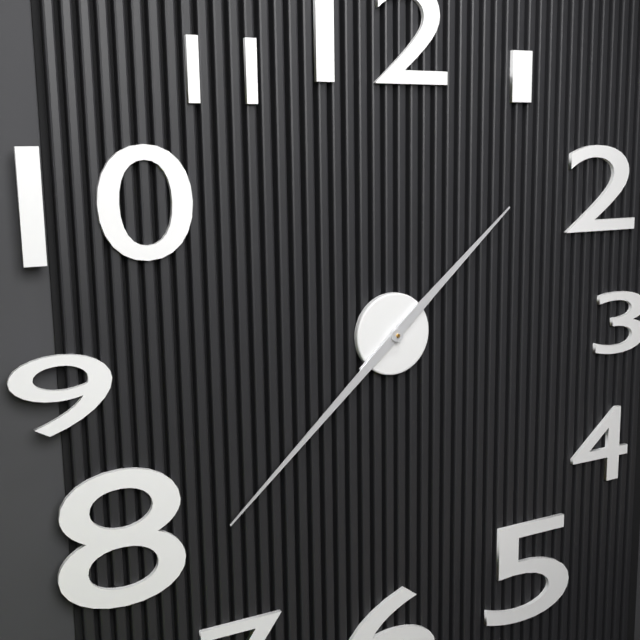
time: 1:38
